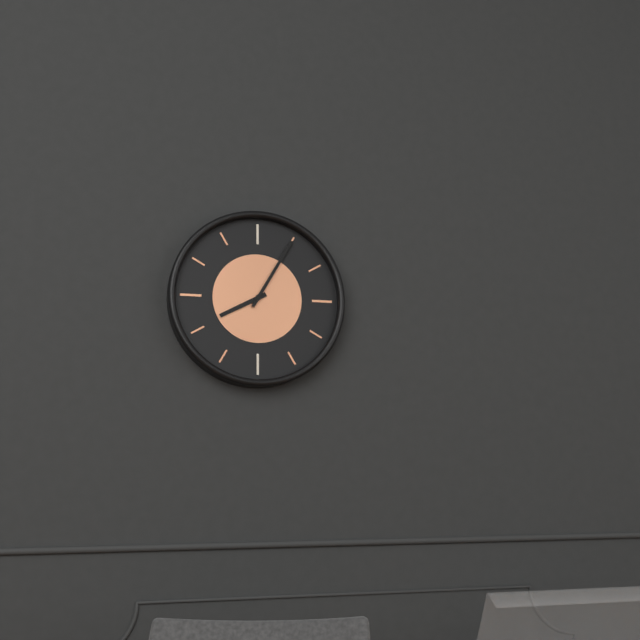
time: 8:05
